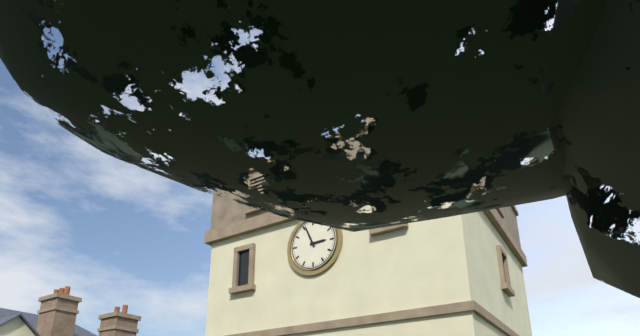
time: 2:56
